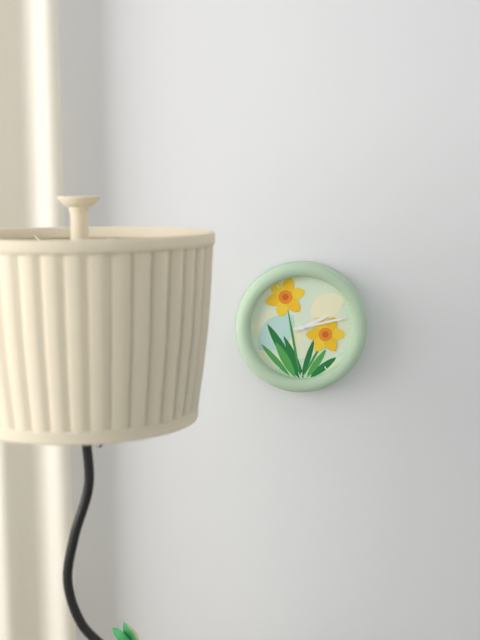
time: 2:13
